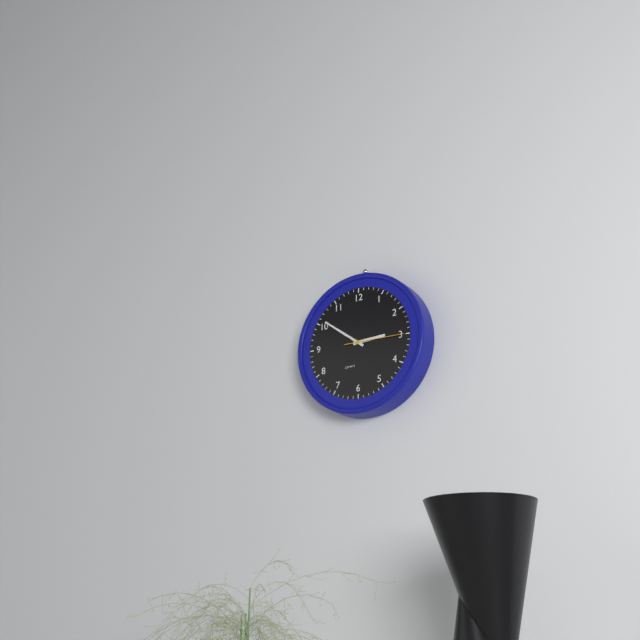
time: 2:51:15
